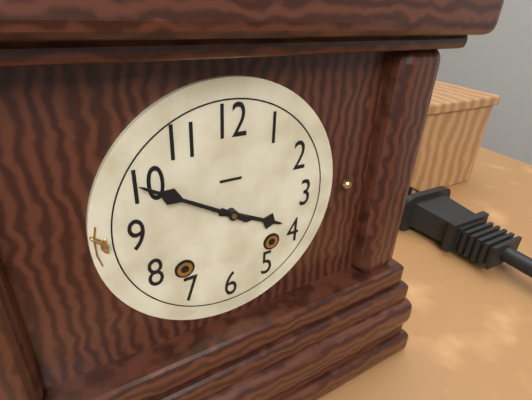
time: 3:50
